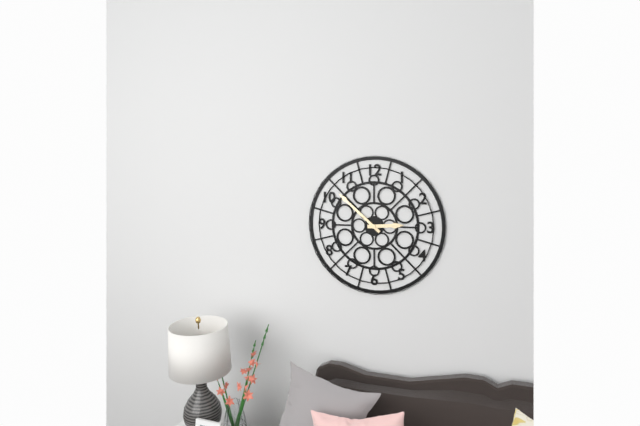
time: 2:52
